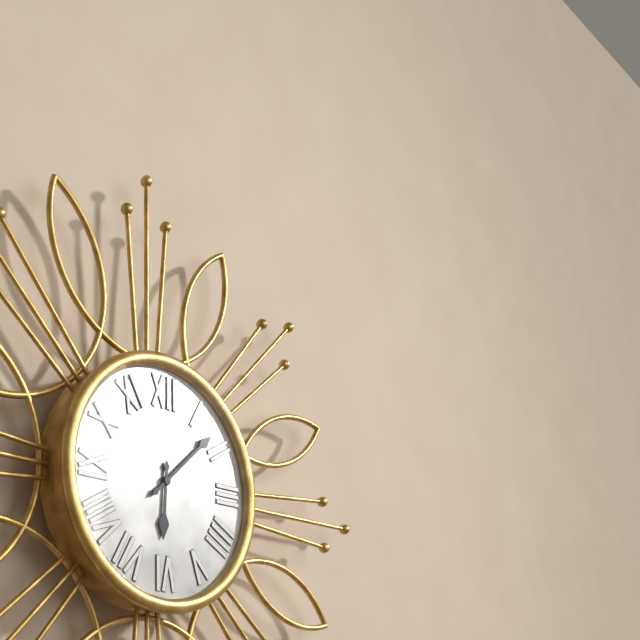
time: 6:08
